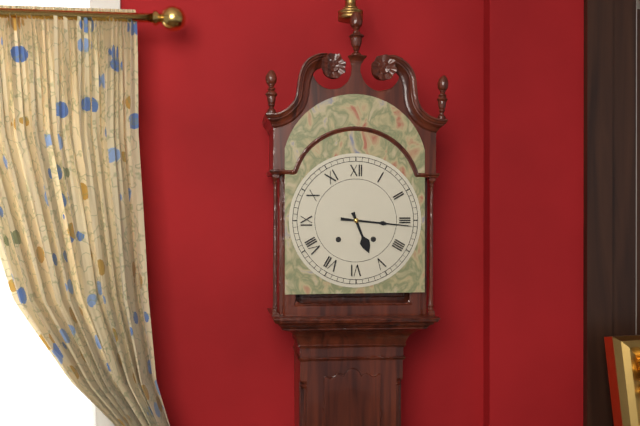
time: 5:16
